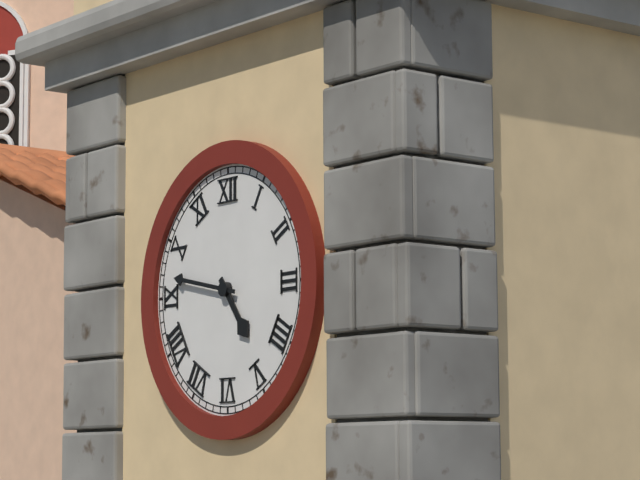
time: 4:47
